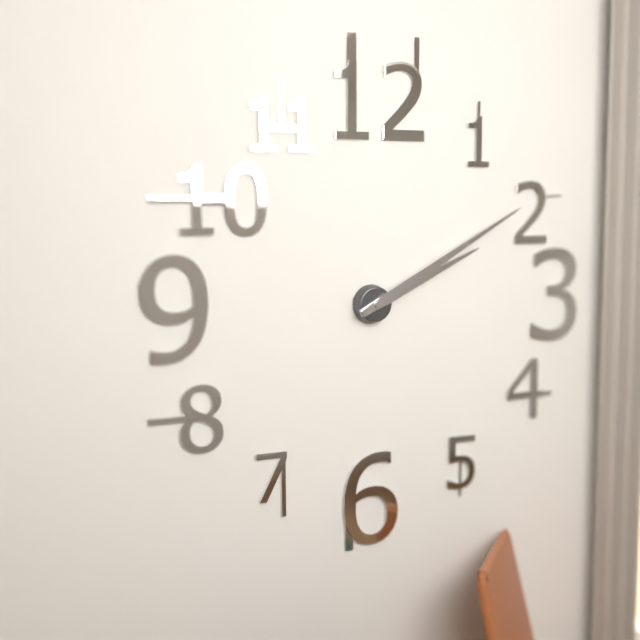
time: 2:10
